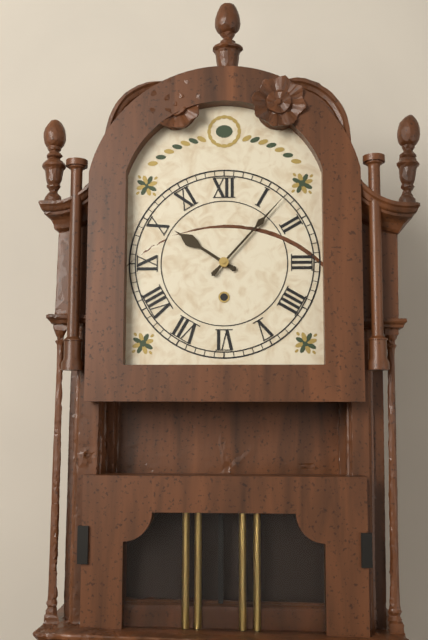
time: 10:07
